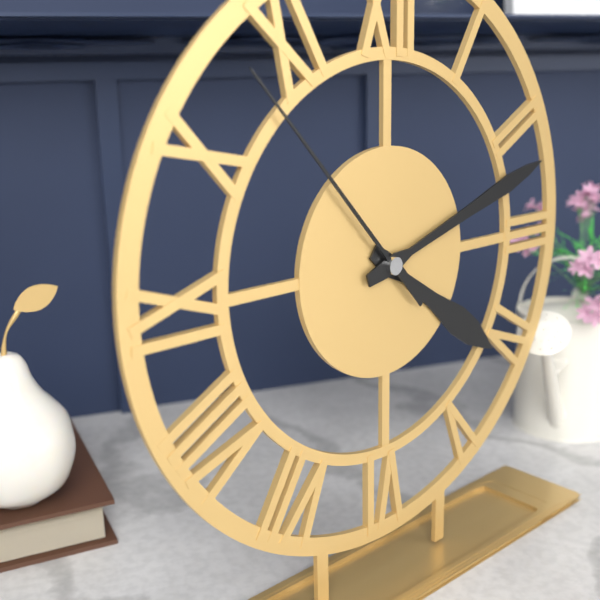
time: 4:12:53
